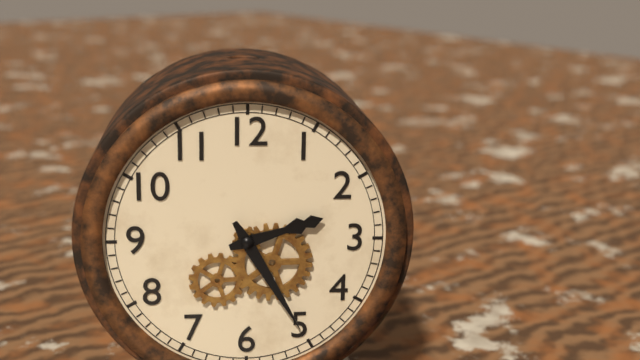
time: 2:25
